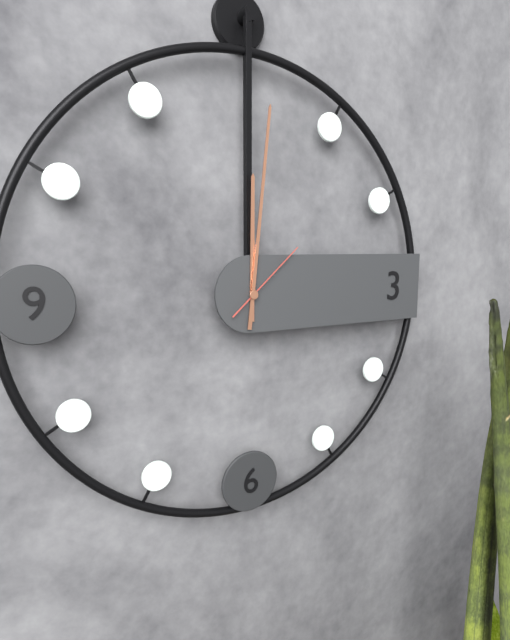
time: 12:01:08
